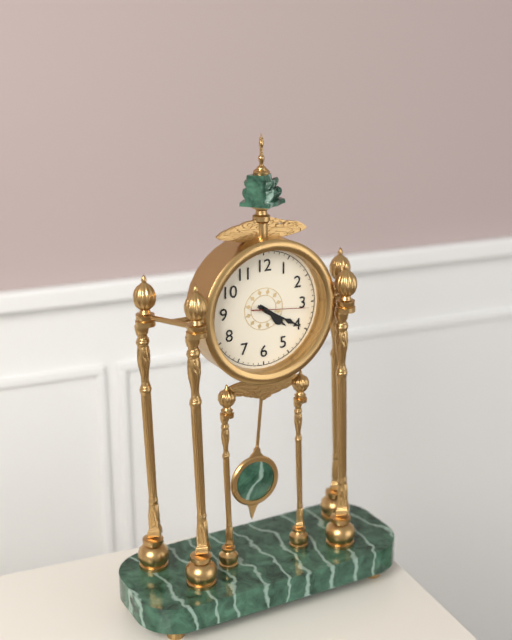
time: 4:20:16
